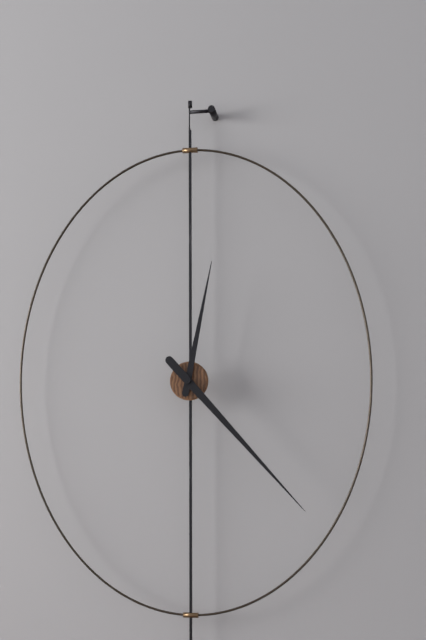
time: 12:23
